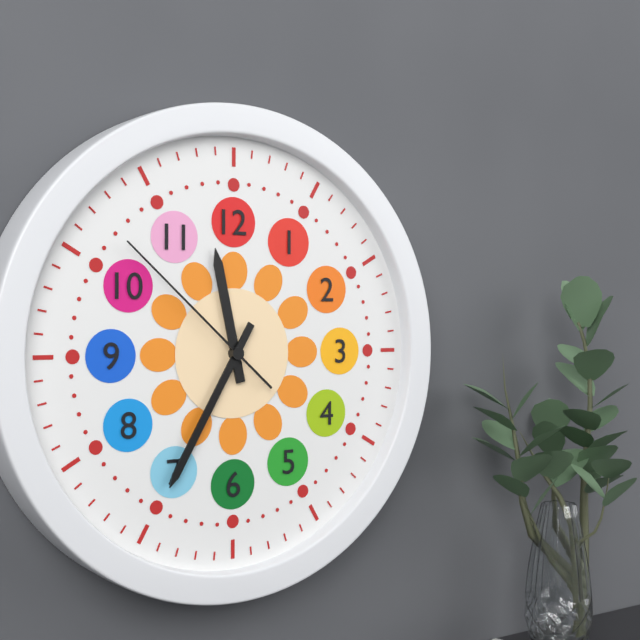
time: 11:35:52
